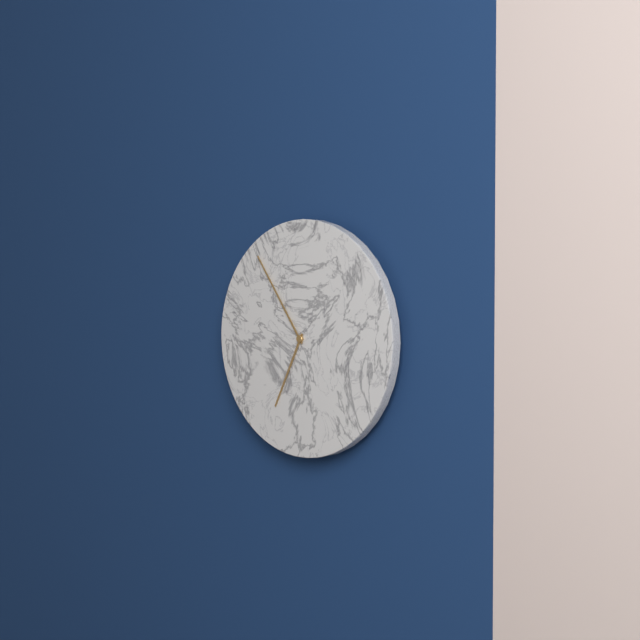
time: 6:54
